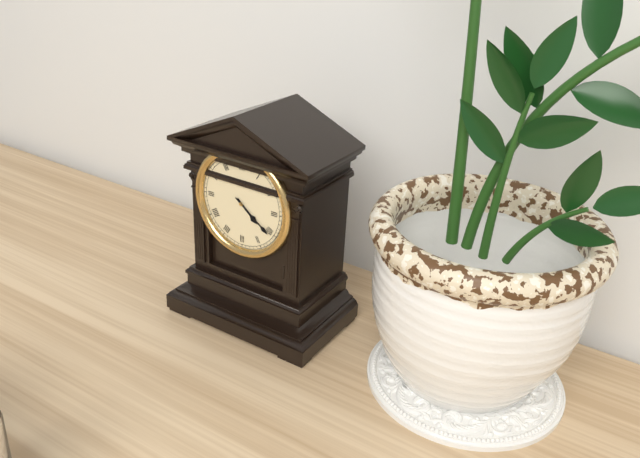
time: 4:21
